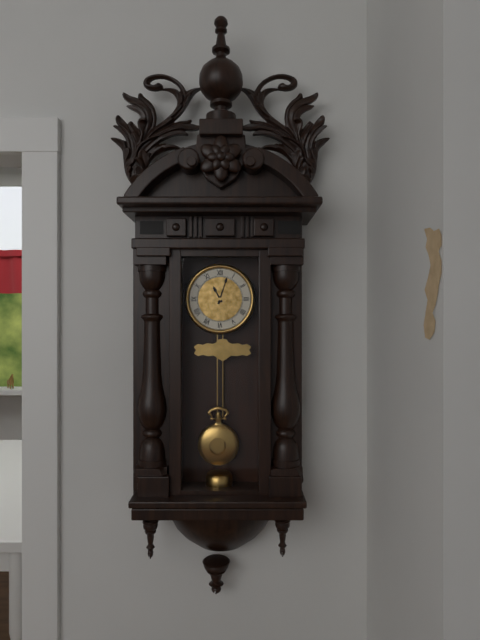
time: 11:03
